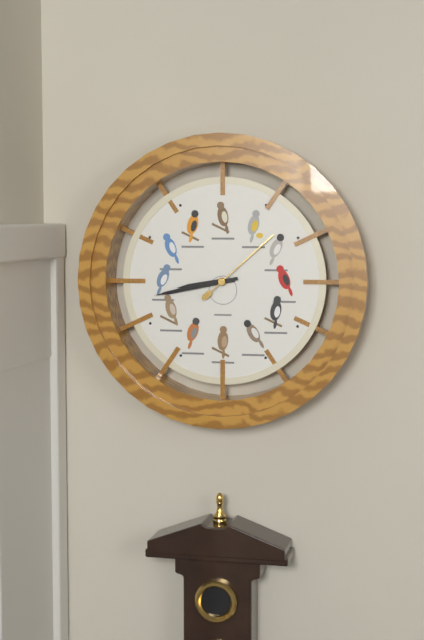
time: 8:43:08
